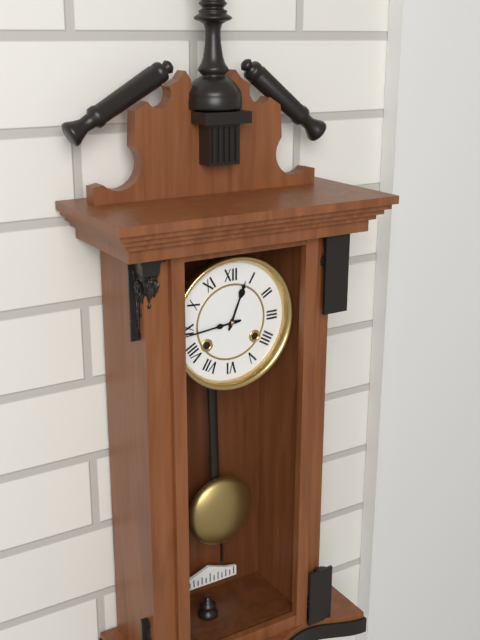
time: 12:44
